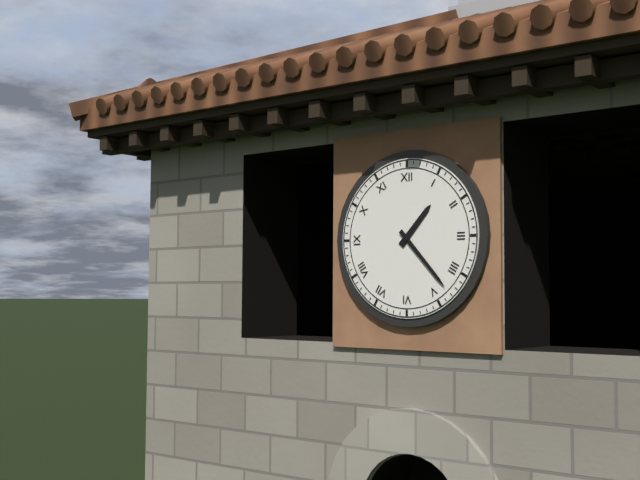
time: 1:23
